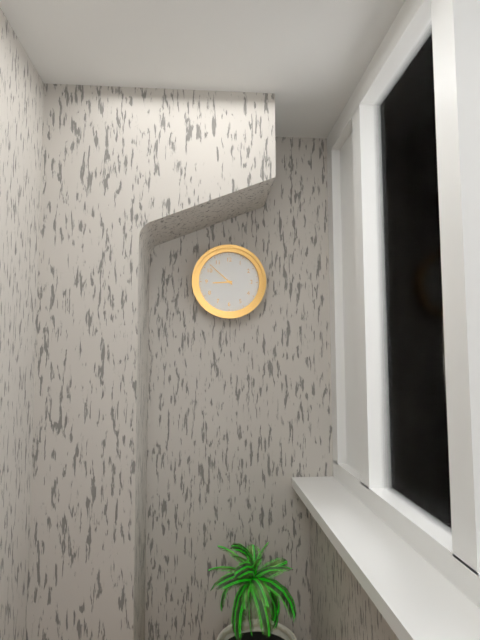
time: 8:52
